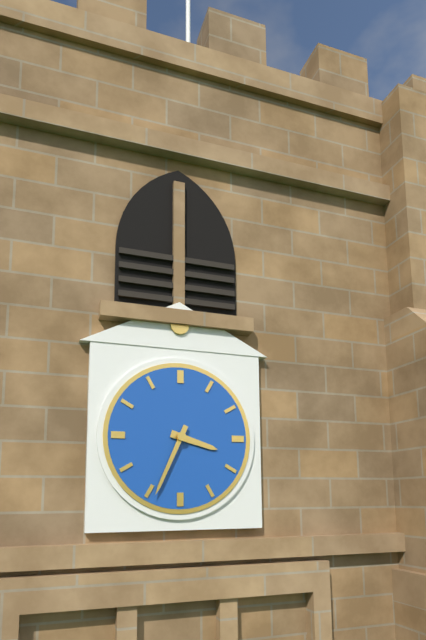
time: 3:34
